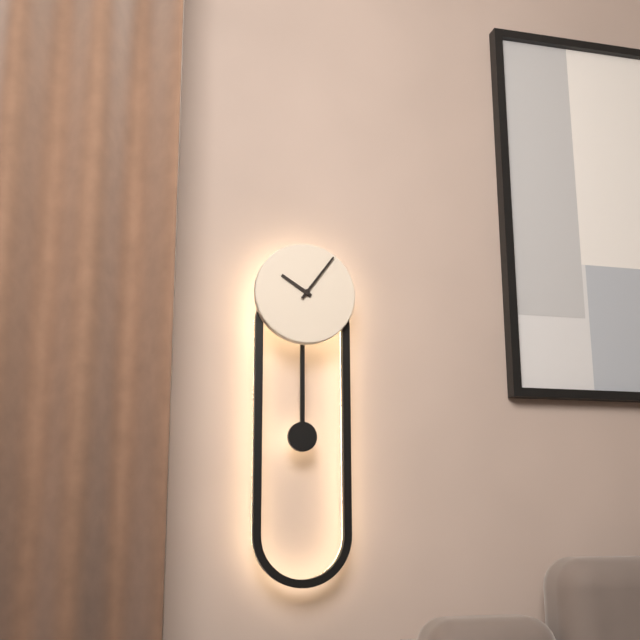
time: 10:06
